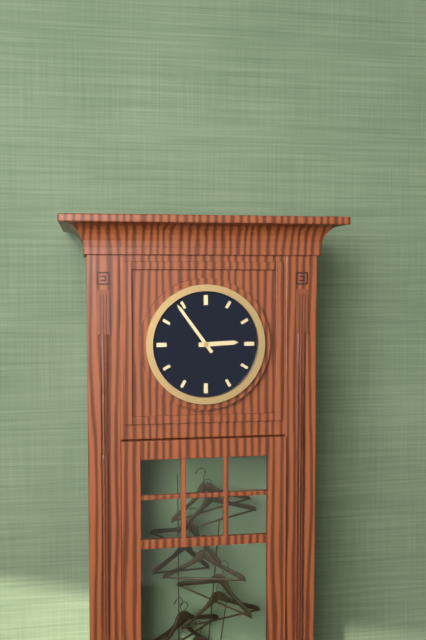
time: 2:54
